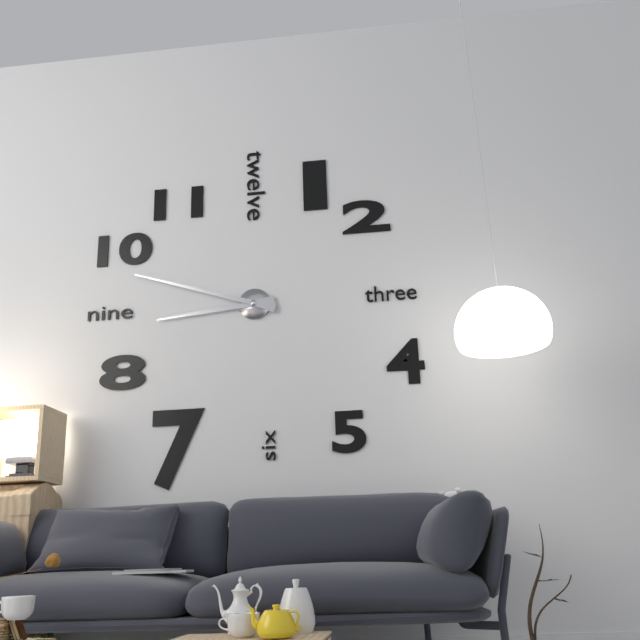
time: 8:48
